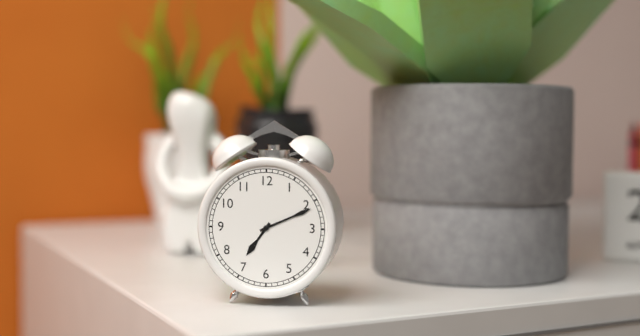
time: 7:11
